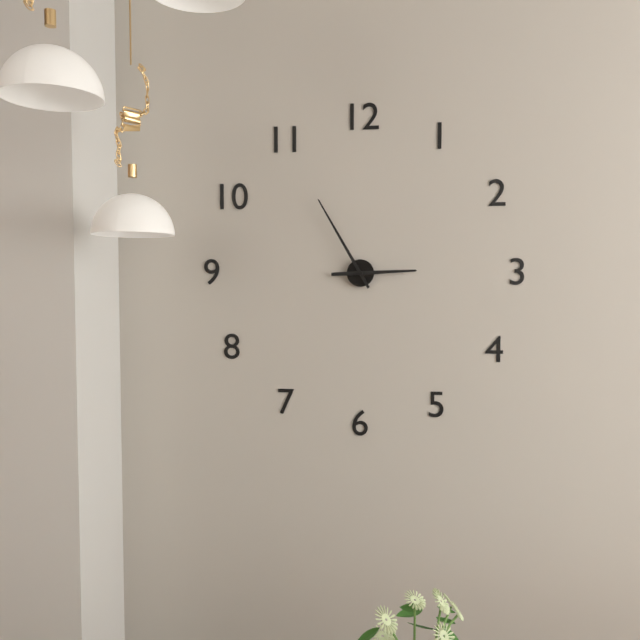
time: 2:55
